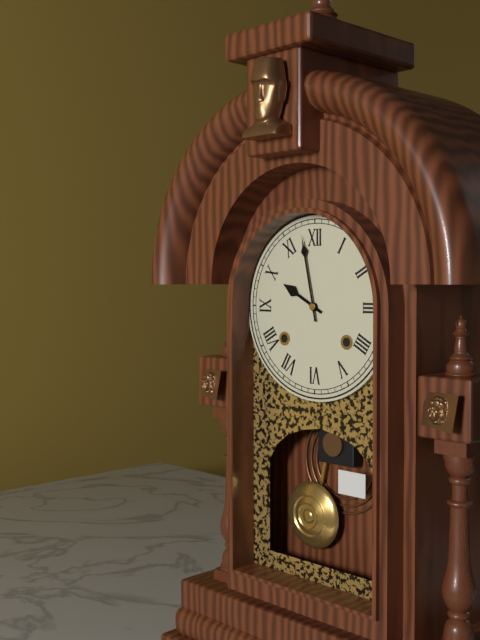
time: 9:58
